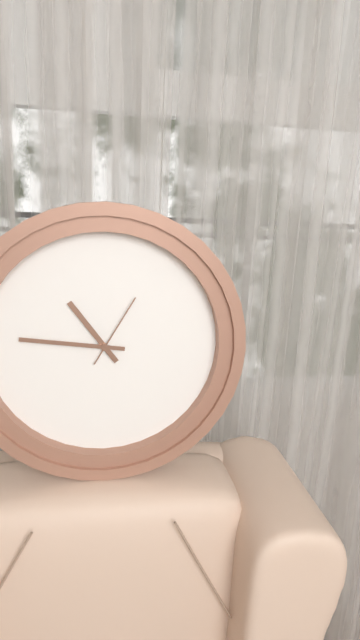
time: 10:46:05
